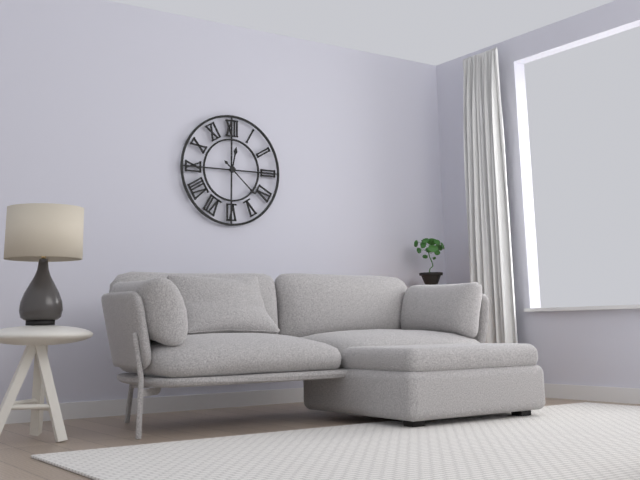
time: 12:22
